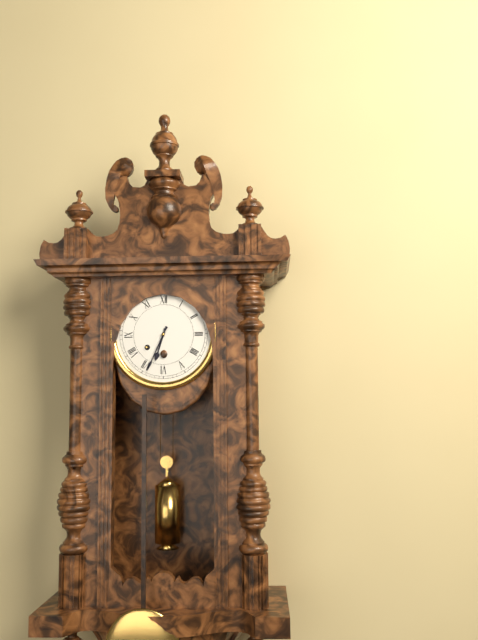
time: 6:34
